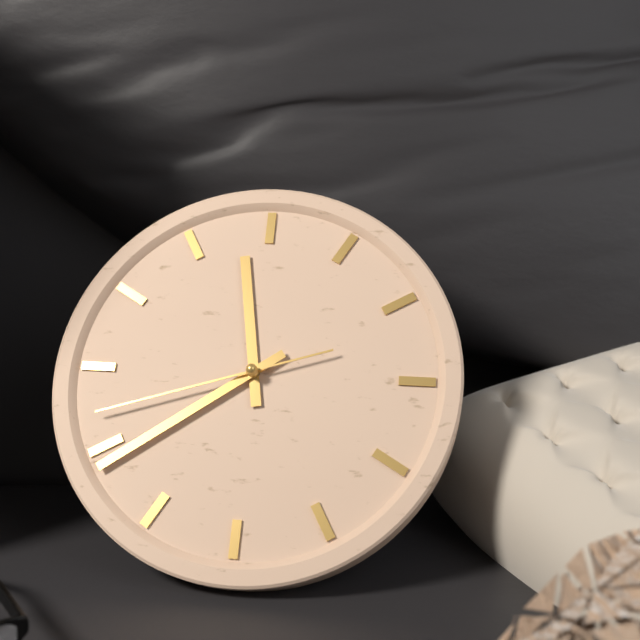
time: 11:39:42
